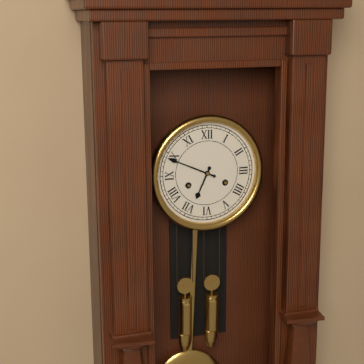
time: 6:49
